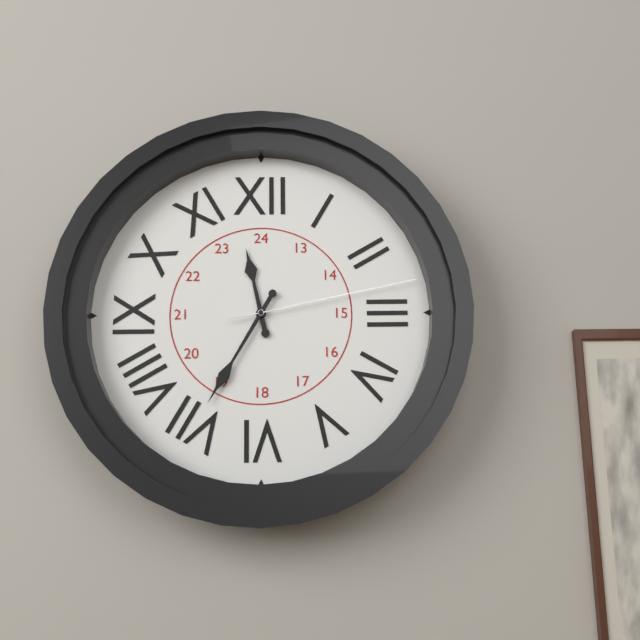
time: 11:35:13
